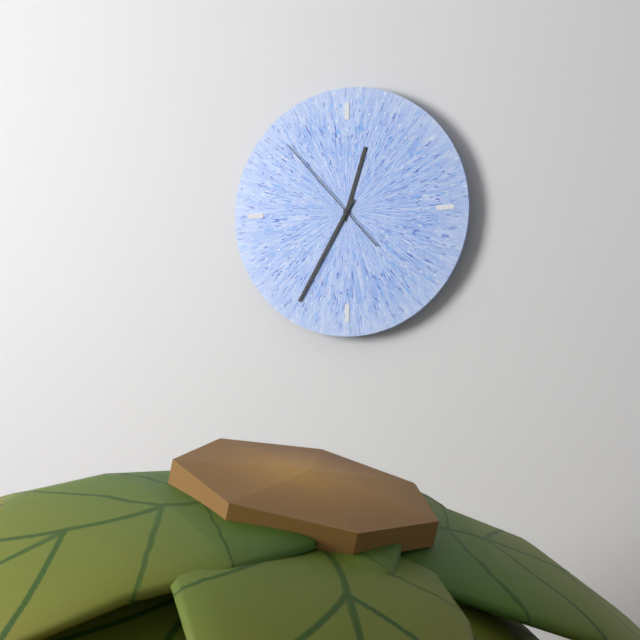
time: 12:35:53
